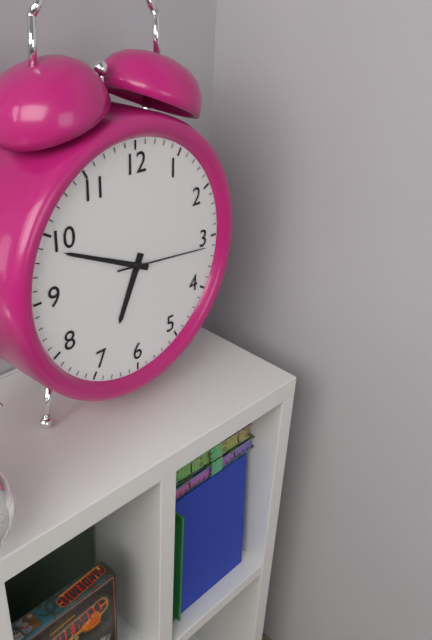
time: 6:49:16
